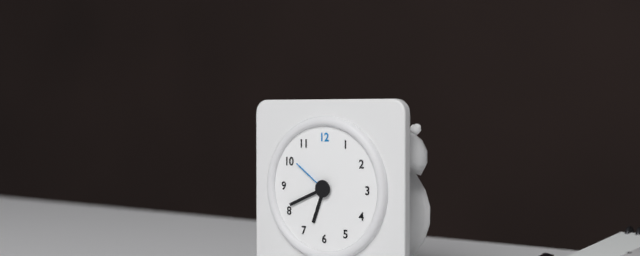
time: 6:41
